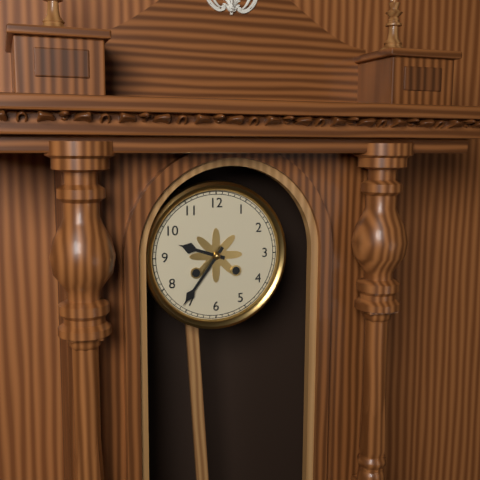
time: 9:36
